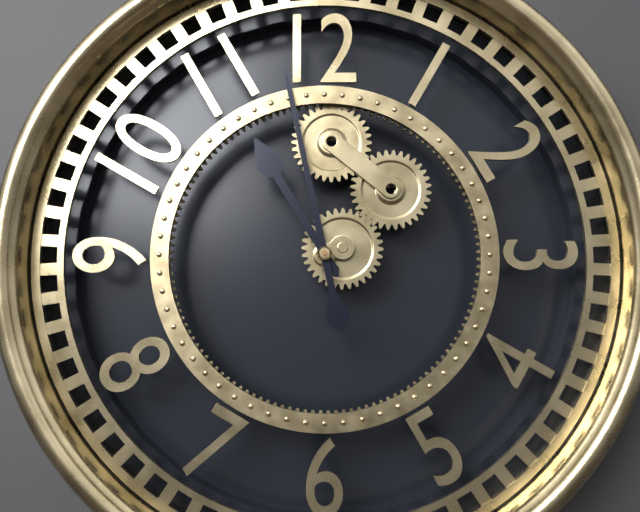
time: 10:58
